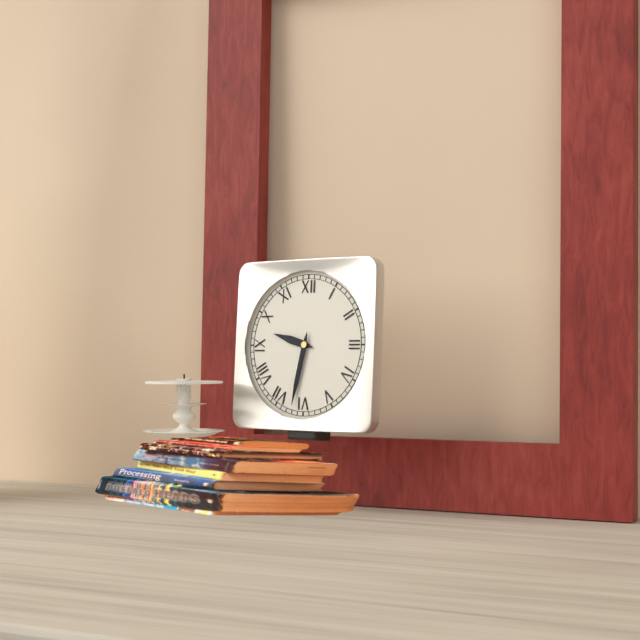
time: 9:32
